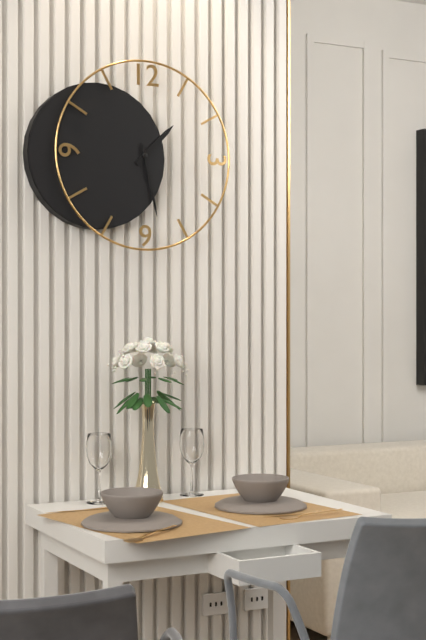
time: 1:28
